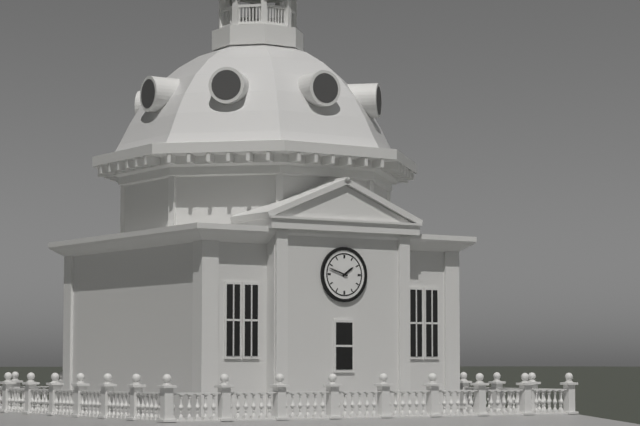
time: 1:48
